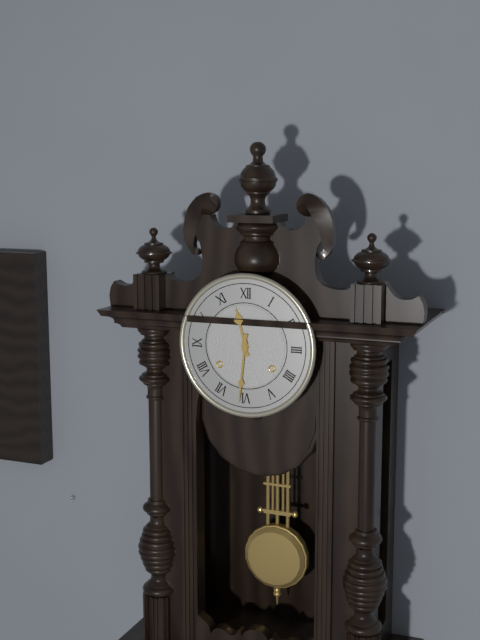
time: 11:31
